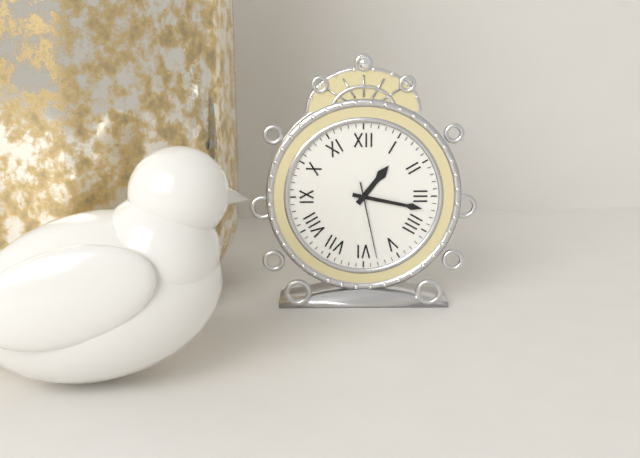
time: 1:17:28
